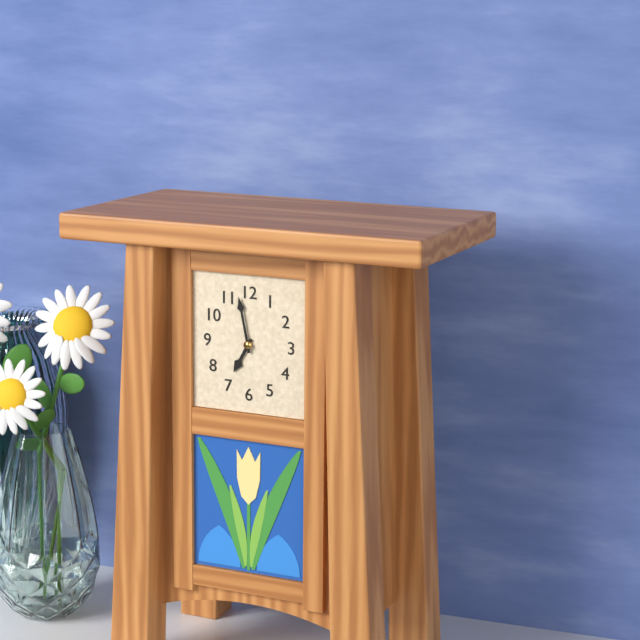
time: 6:58
